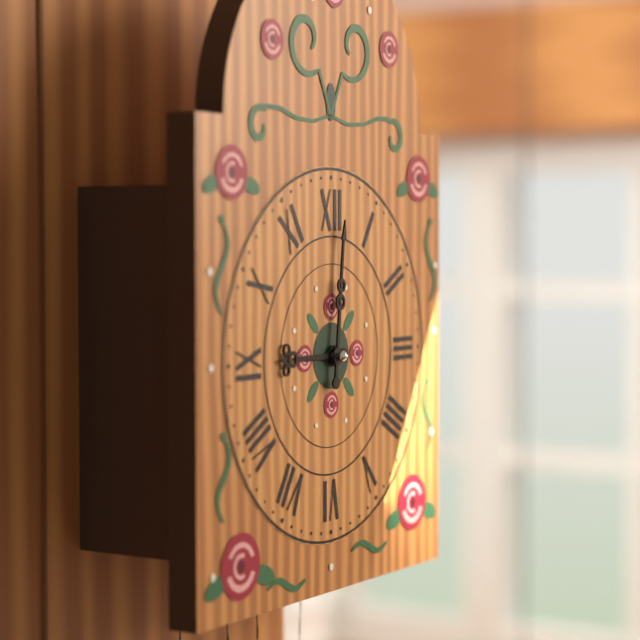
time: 9:01
